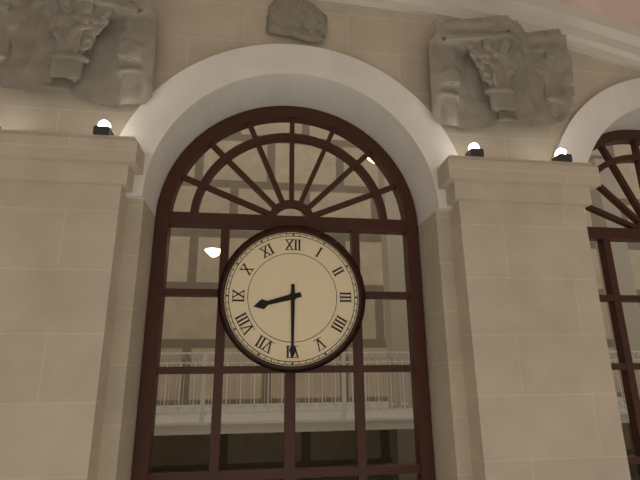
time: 8:30
